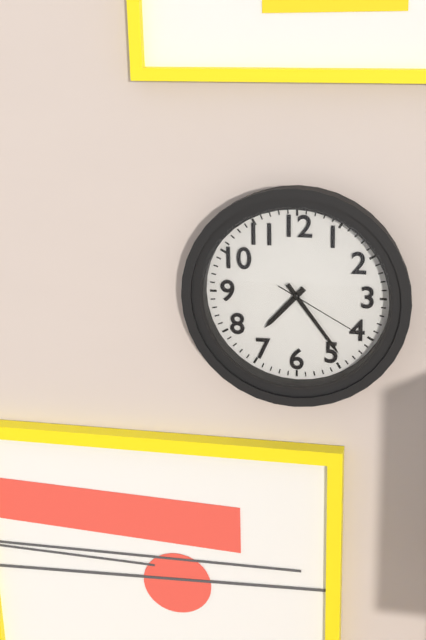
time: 7:24:20
